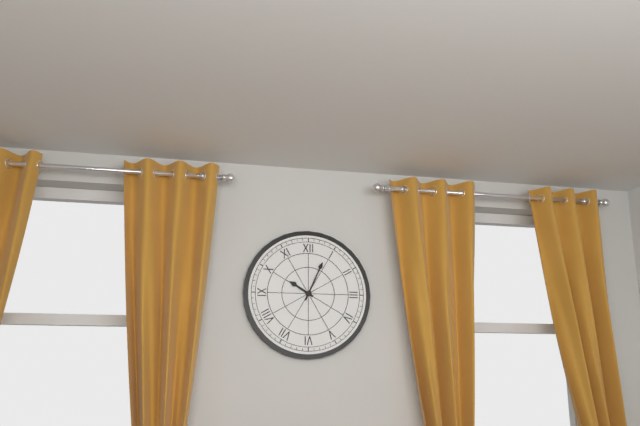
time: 10:04
